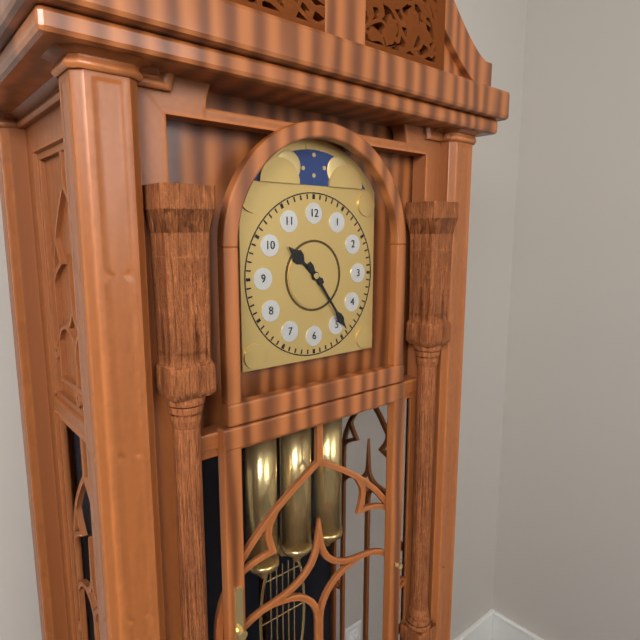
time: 10:24
